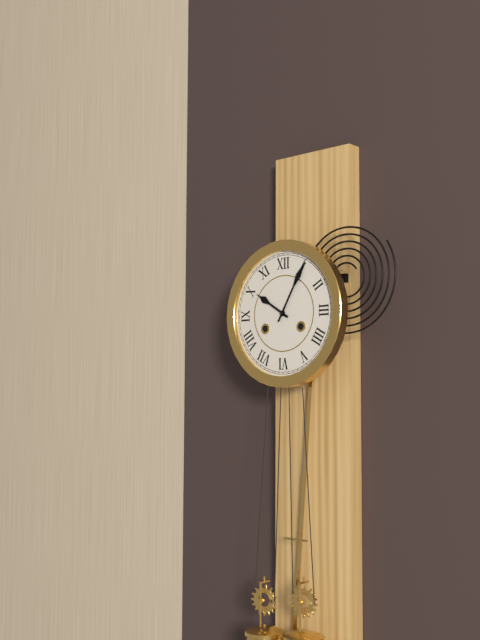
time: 10:05
